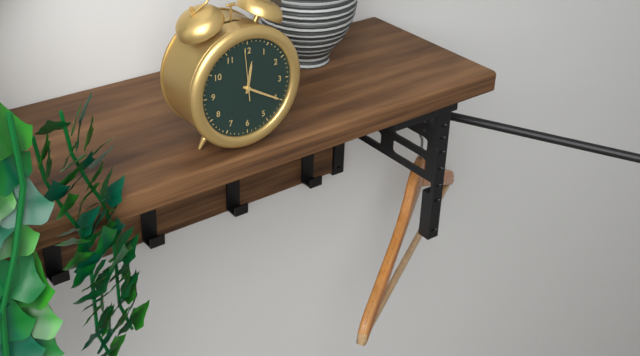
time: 12:20
